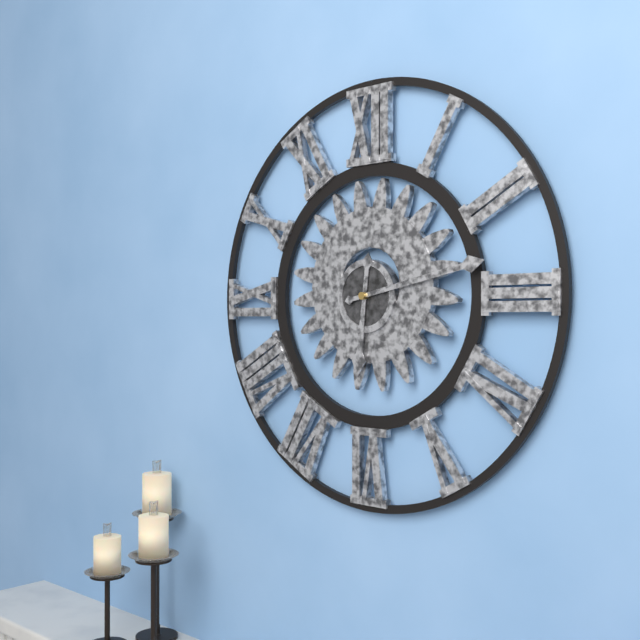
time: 6:13
